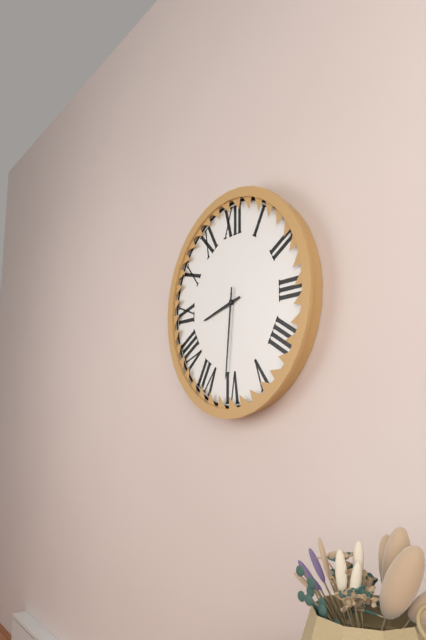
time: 8:31
